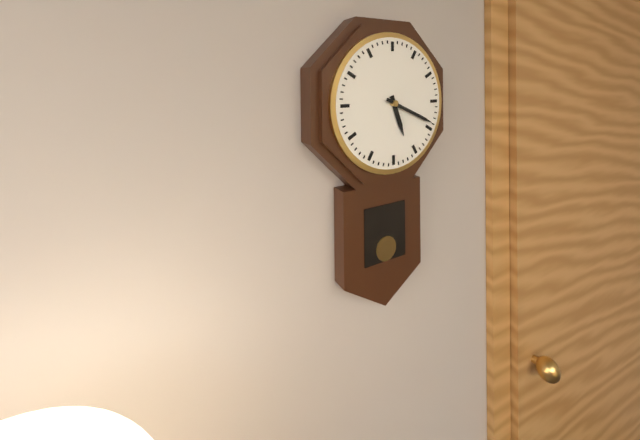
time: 5:19
